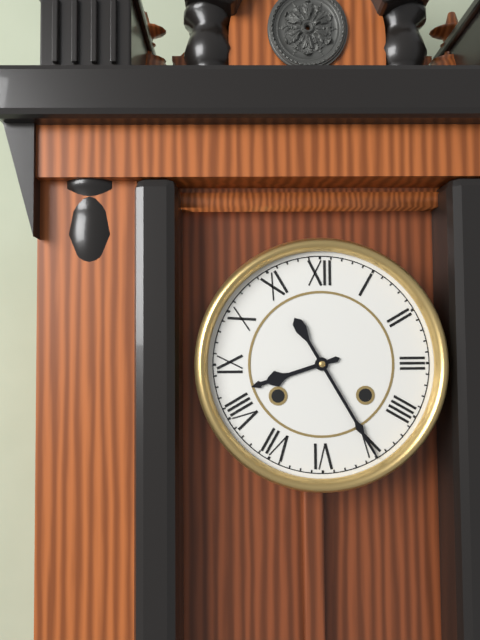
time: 8:25
